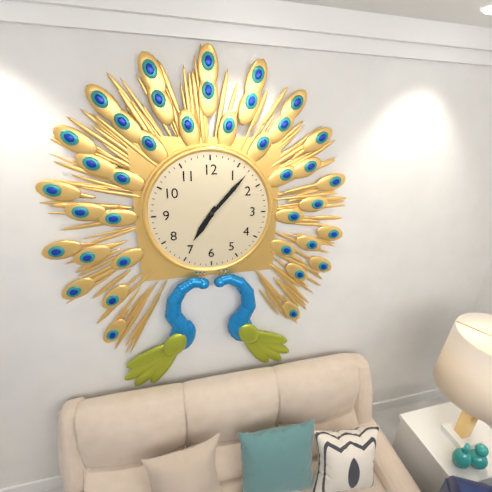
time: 7:07
